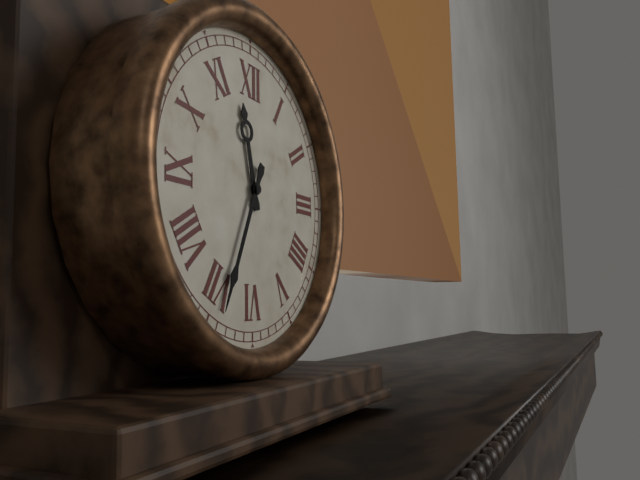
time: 11:34
